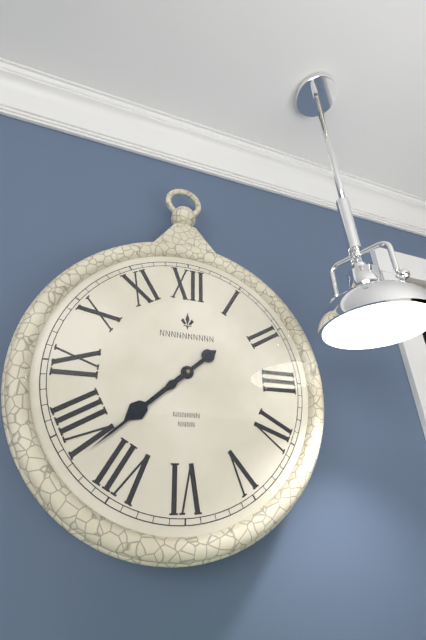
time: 7:38
